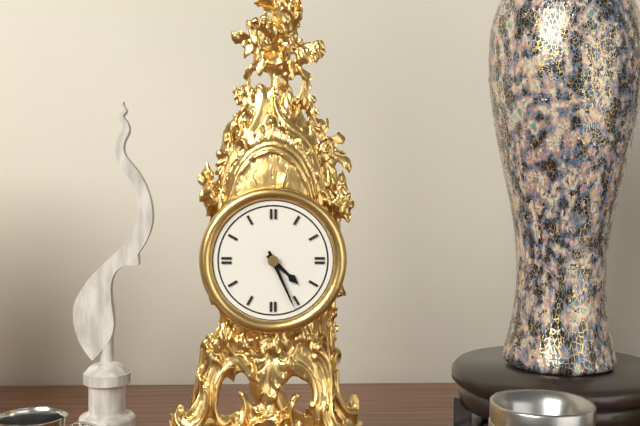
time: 4:26
